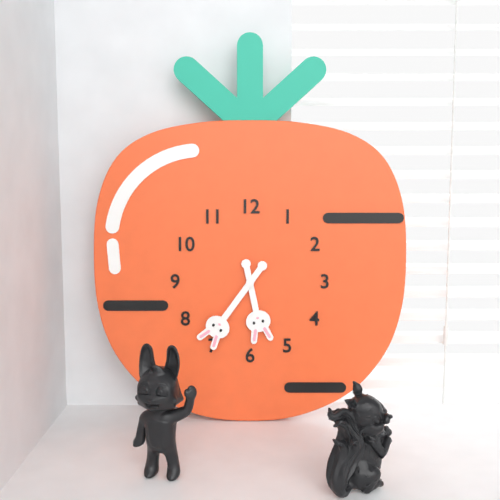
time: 5:36
